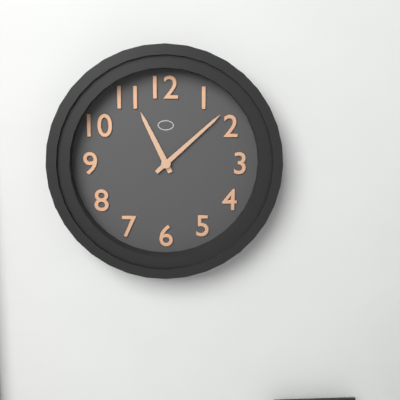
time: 11:08
